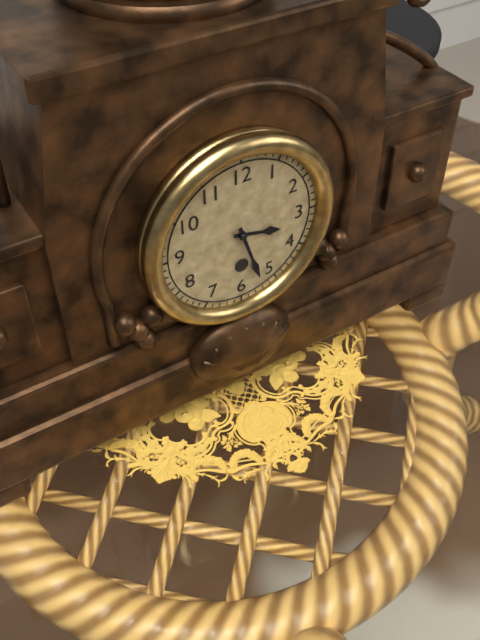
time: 3:27
